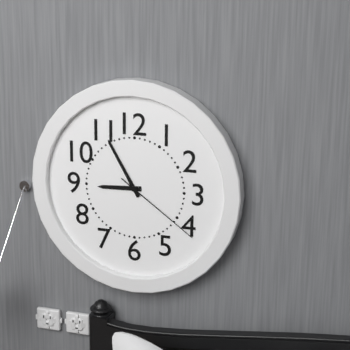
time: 8:55:21
